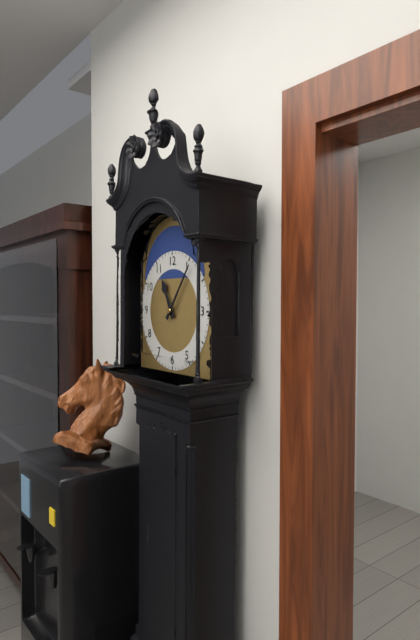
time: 11:06
